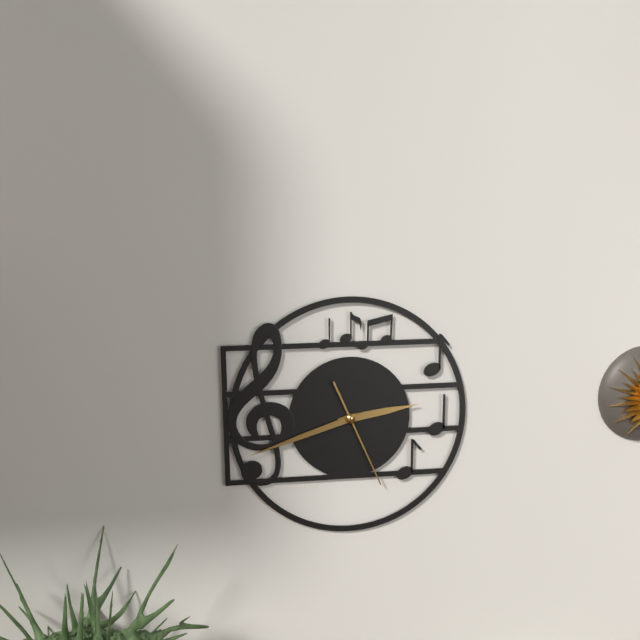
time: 2:42:26
